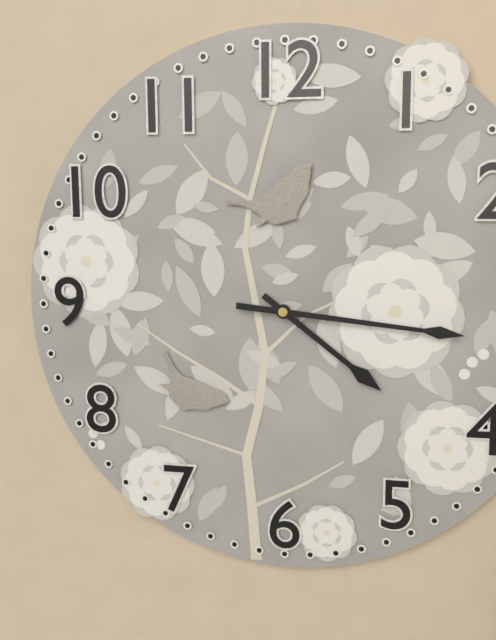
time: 4:16
